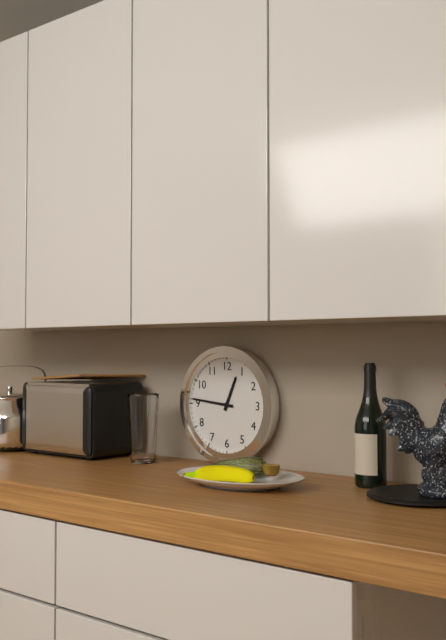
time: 12:46
